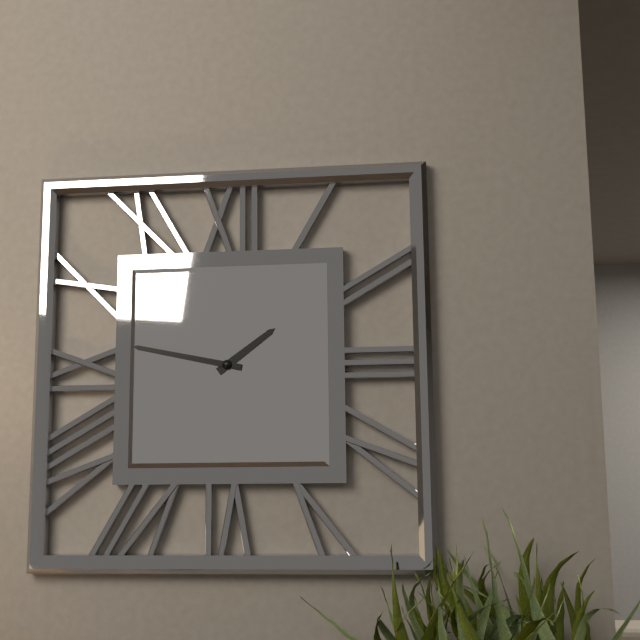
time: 1:47
